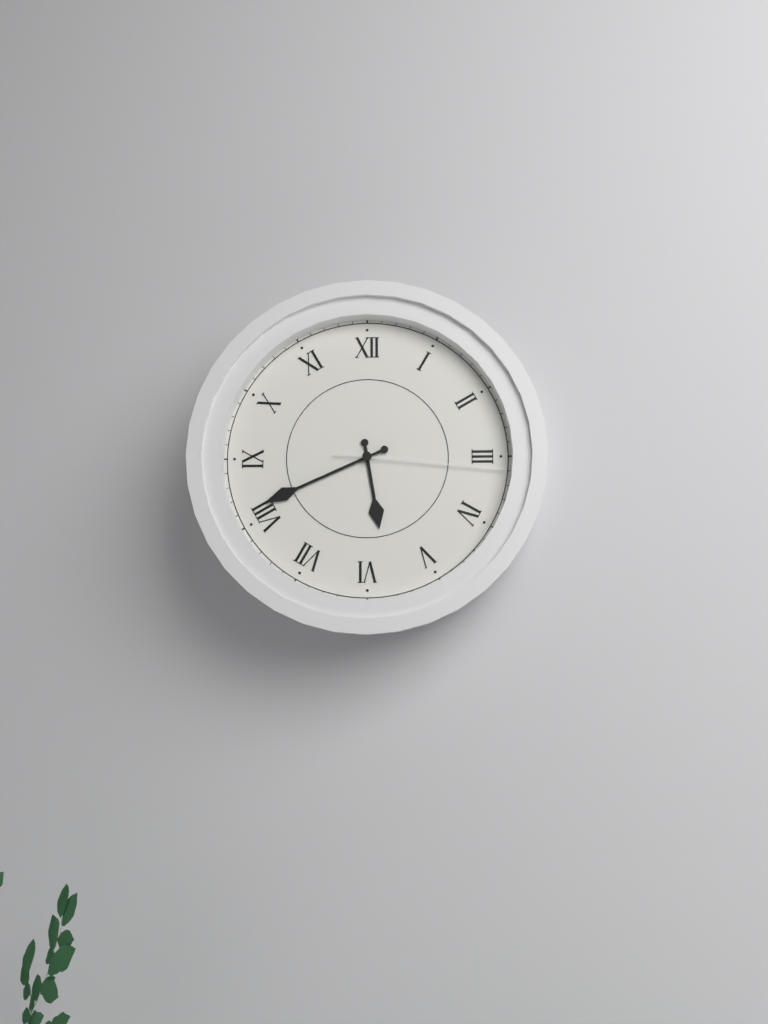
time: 5:41:16
